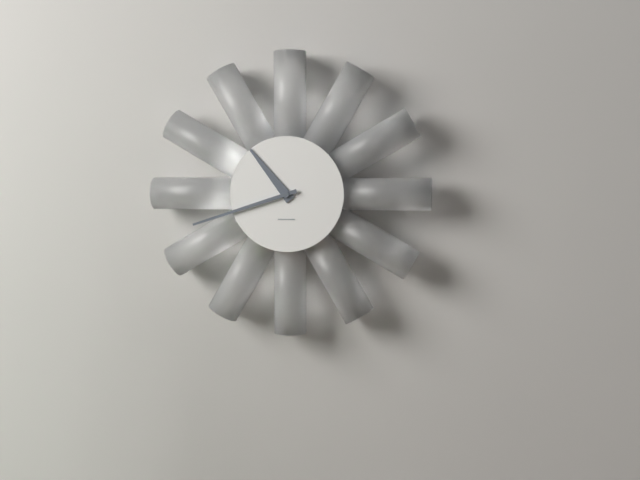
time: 10:42
